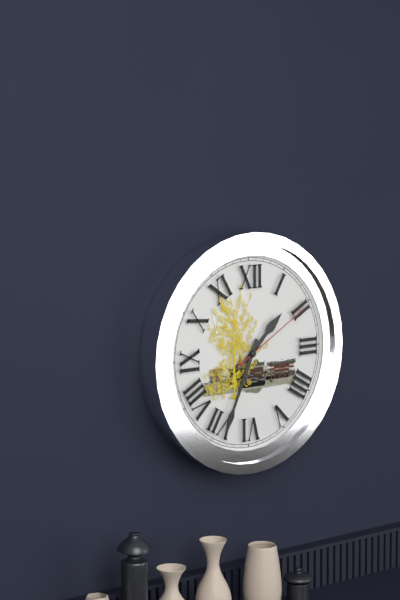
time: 1:34:10
